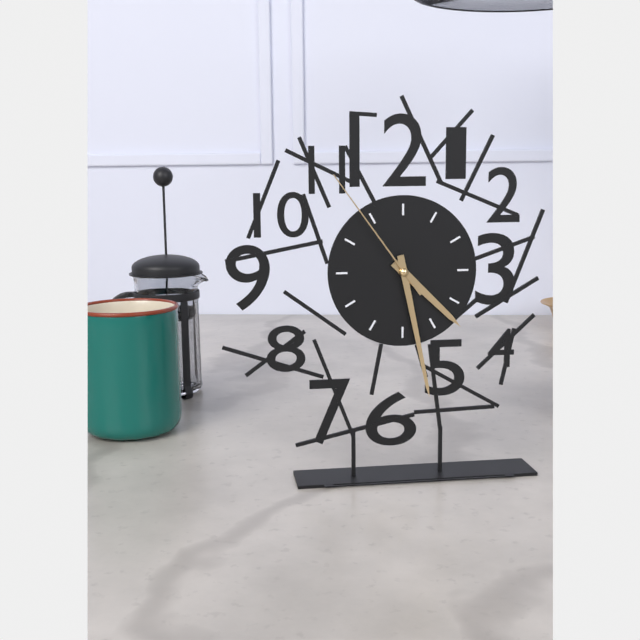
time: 4:28:54
